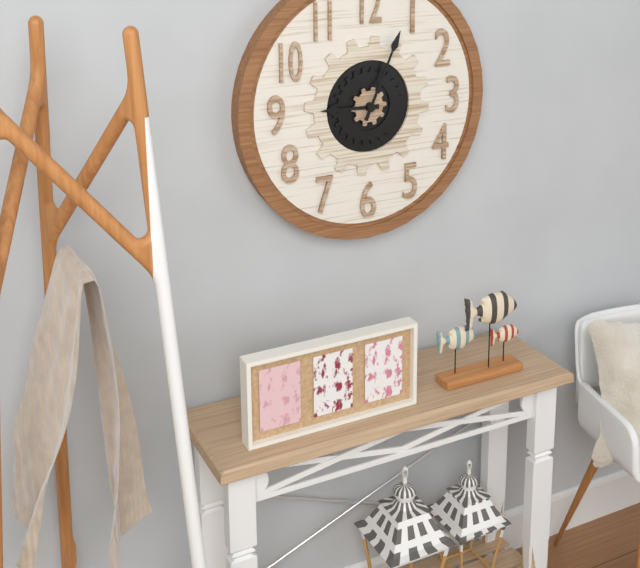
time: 9:04
